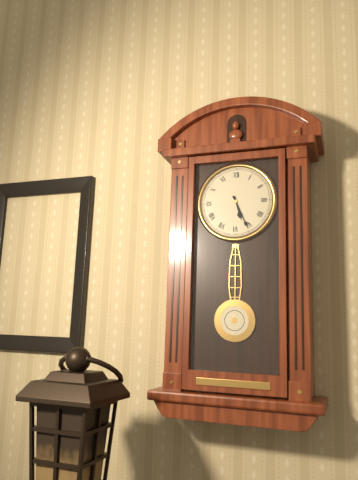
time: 5:26
